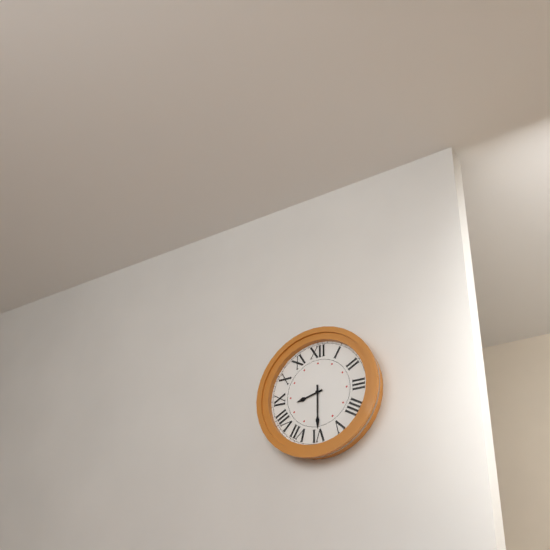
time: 8:30
